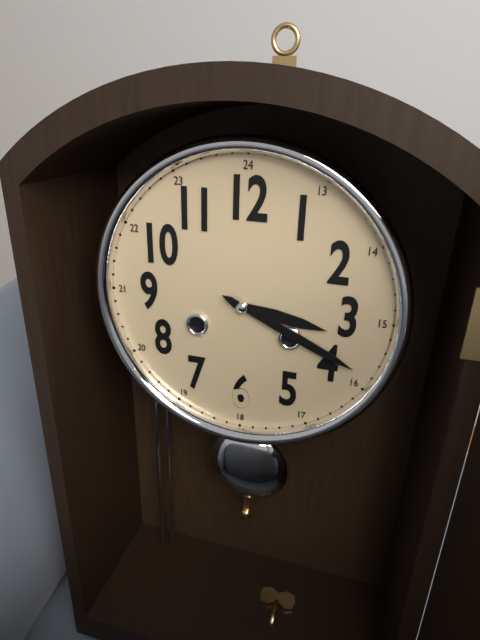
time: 3:19
